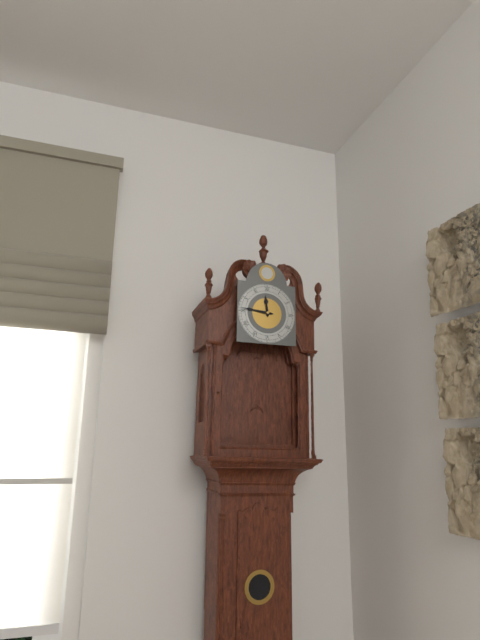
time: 11:46
